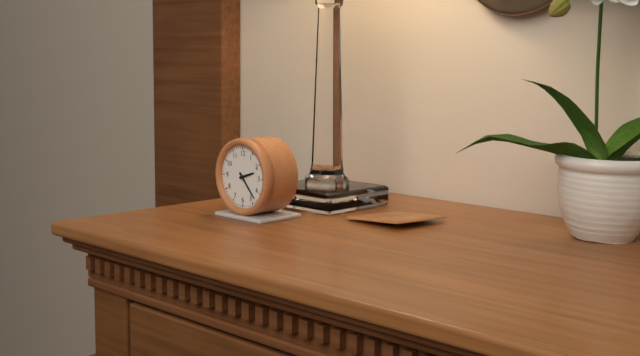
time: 2:23
